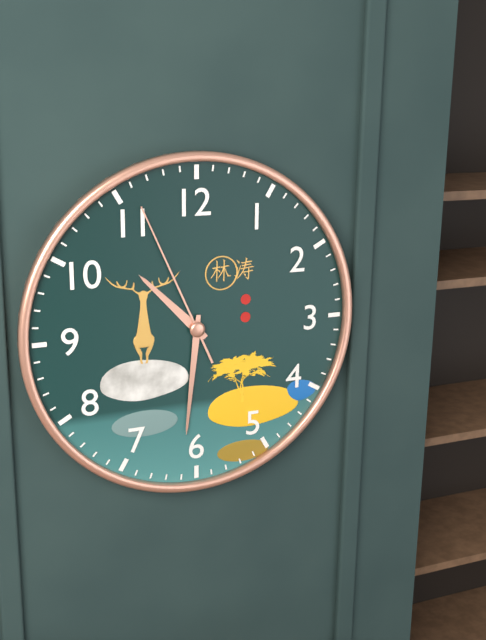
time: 10:31:56
